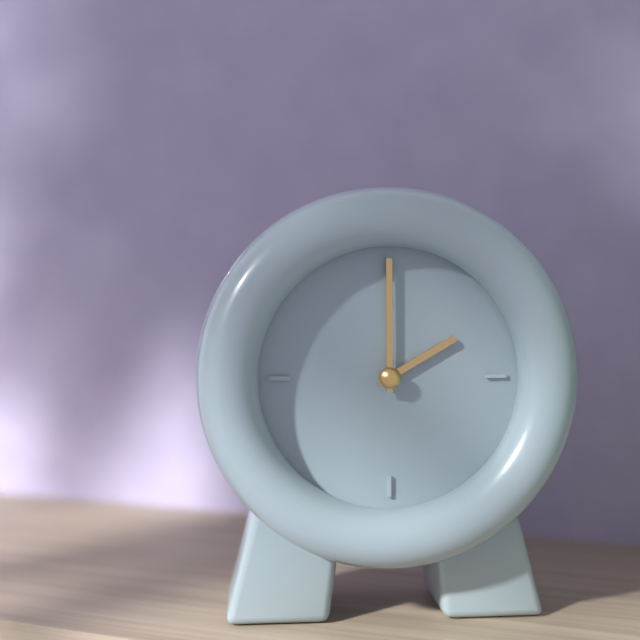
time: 2:00
